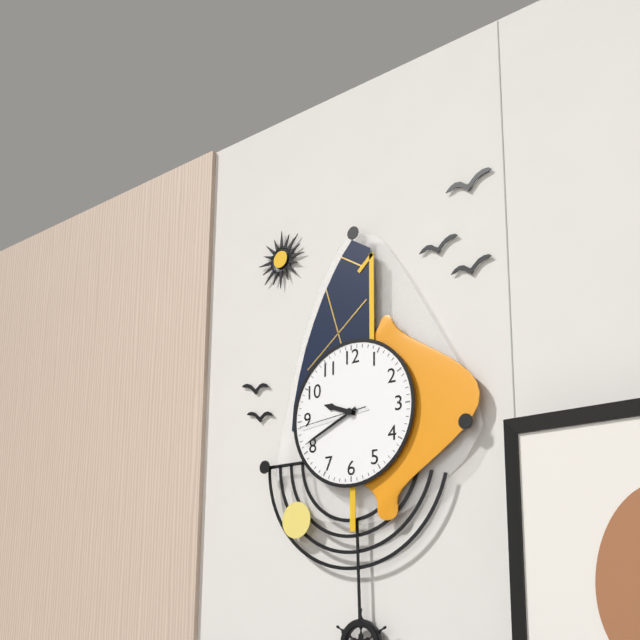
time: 9:41:44
